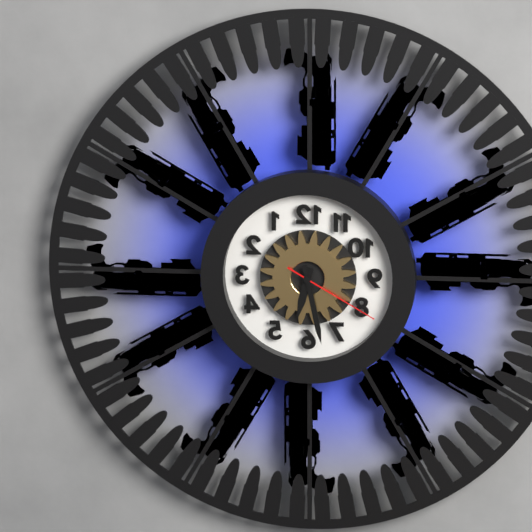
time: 6:28:20
